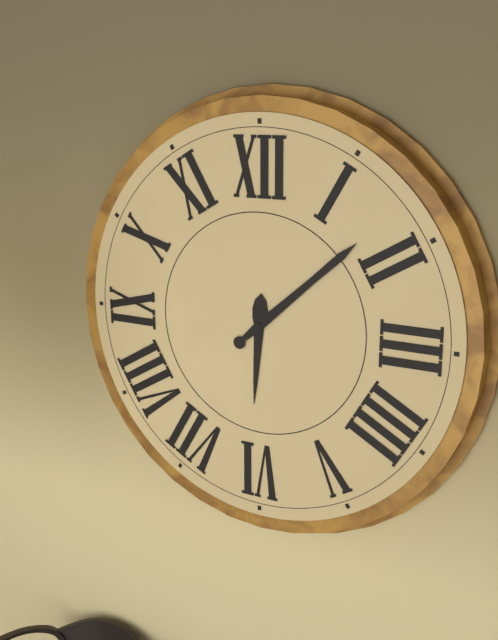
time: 6:08
